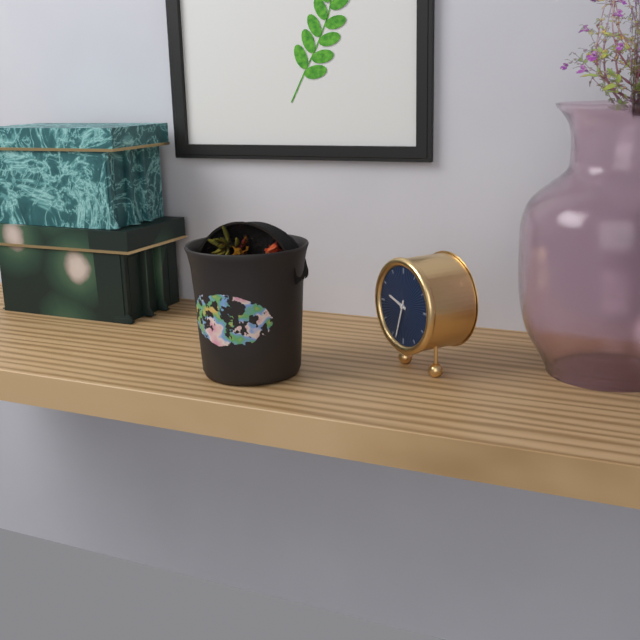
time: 9:33
